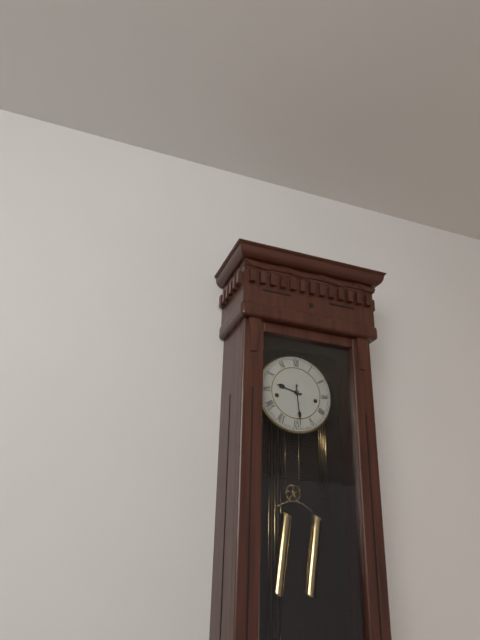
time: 9:29
